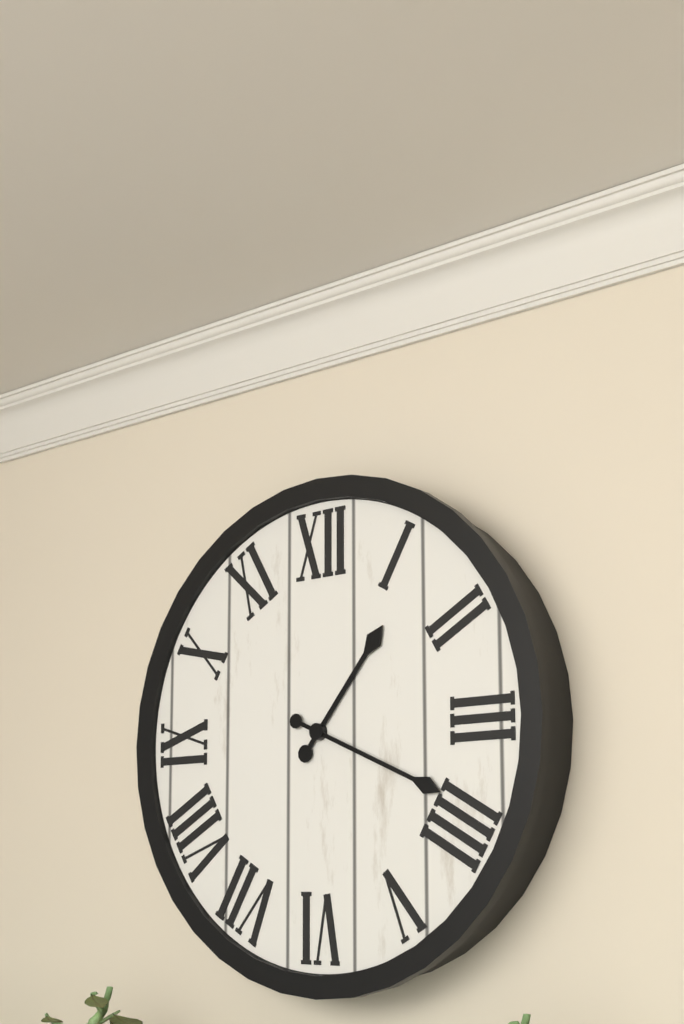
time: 1:19
